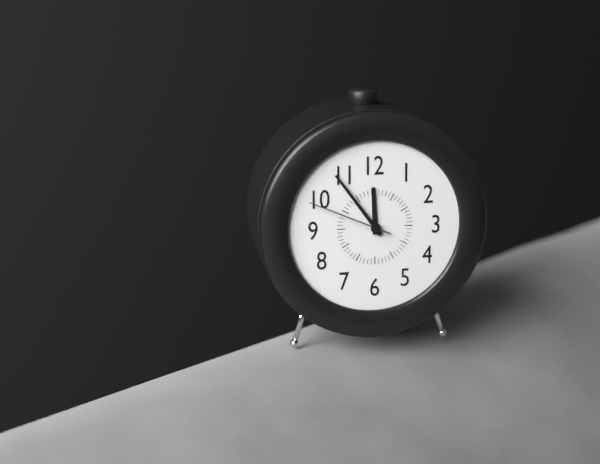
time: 11:54:49
